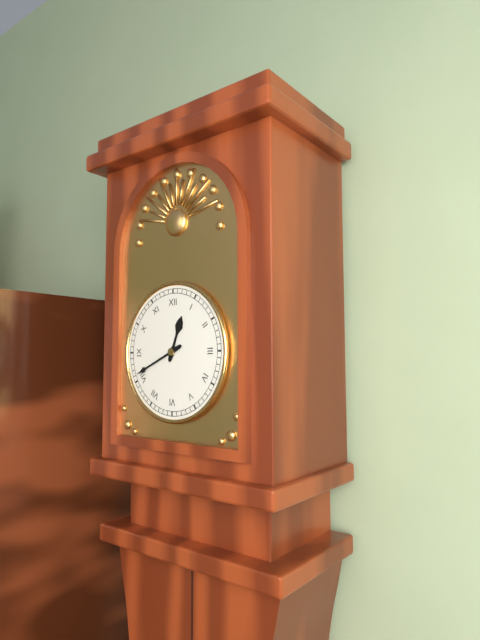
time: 12:41
